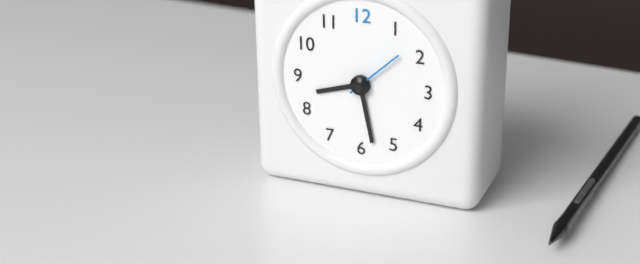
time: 8:28:08
